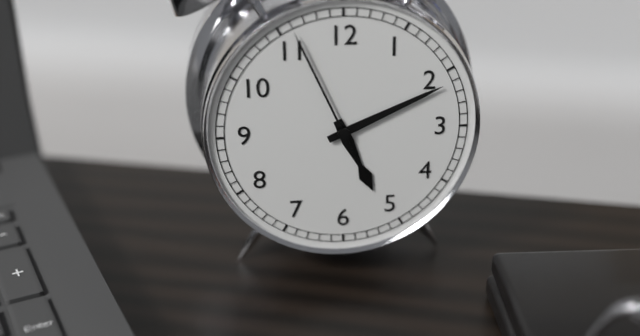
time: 5:11:56
